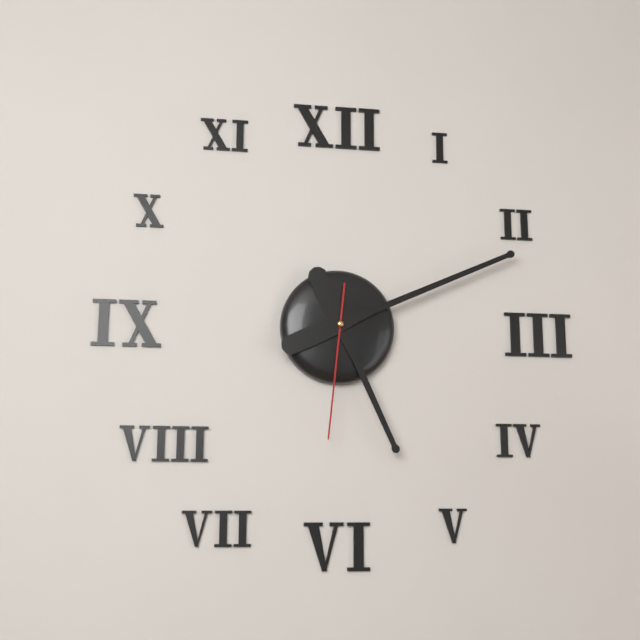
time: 5:11:31
